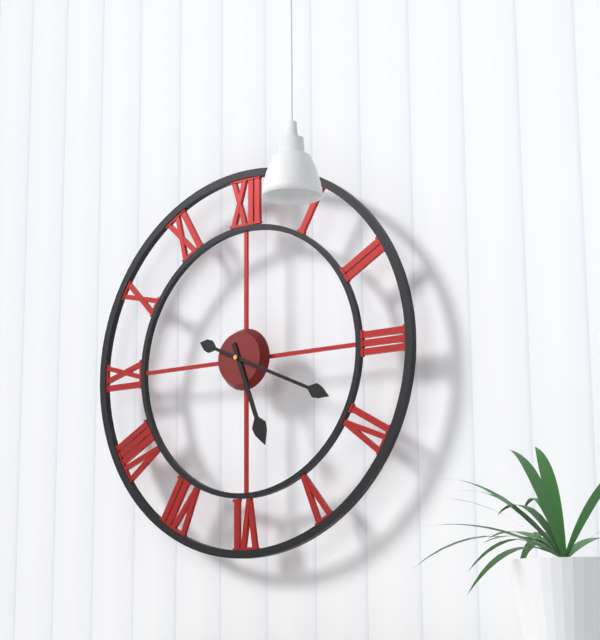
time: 5:19
